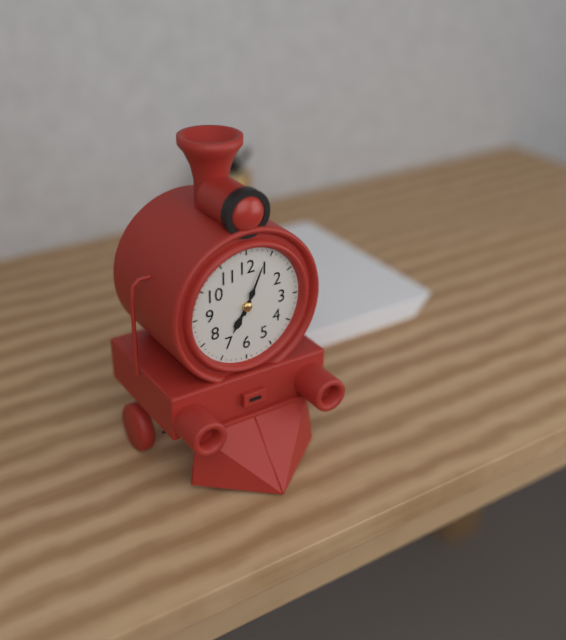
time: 7:04
